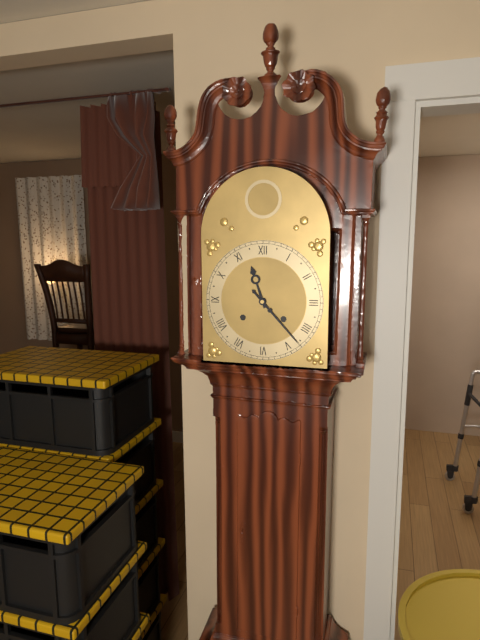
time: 11:23
